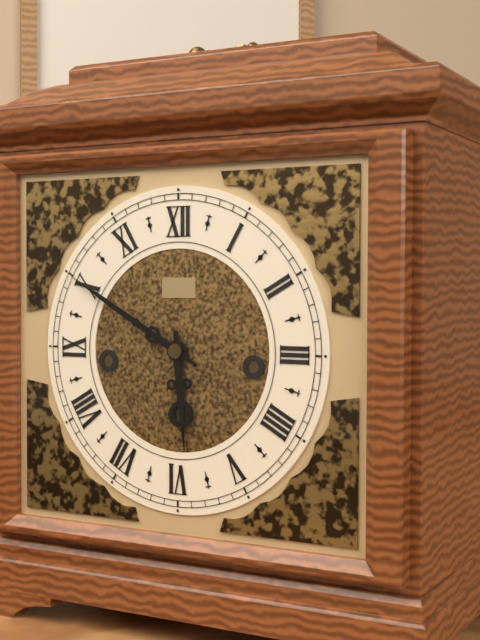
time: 5:50
